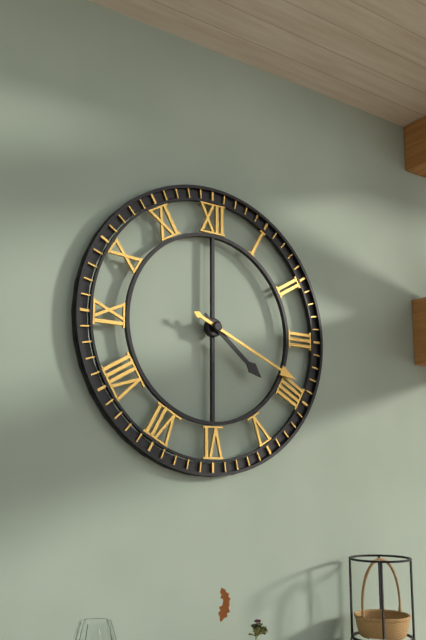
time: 4:19
